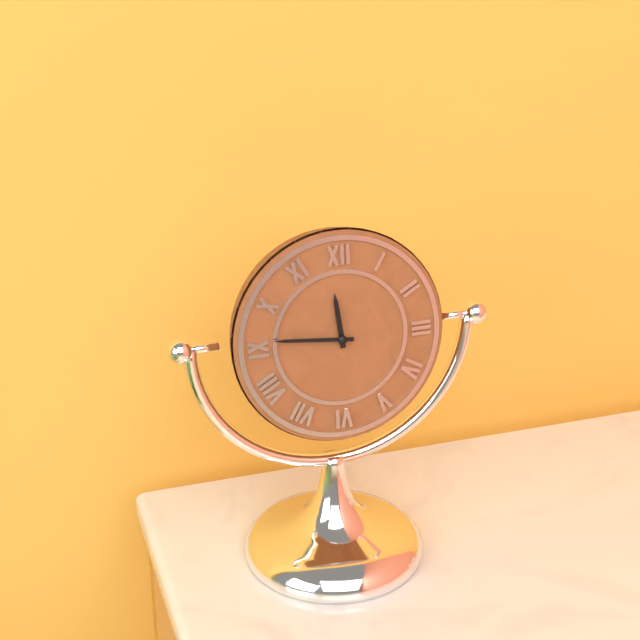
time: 11:46
